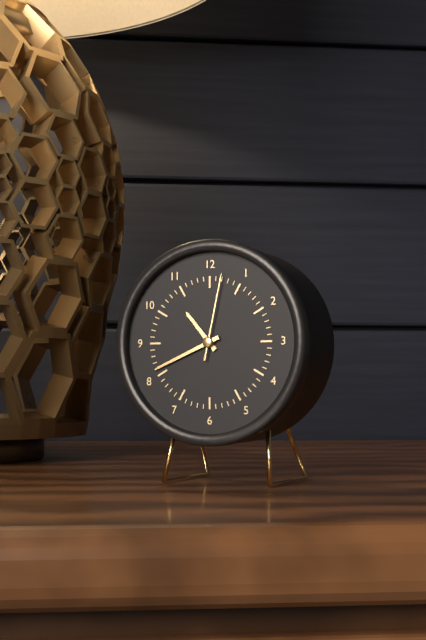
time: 10:41:02
